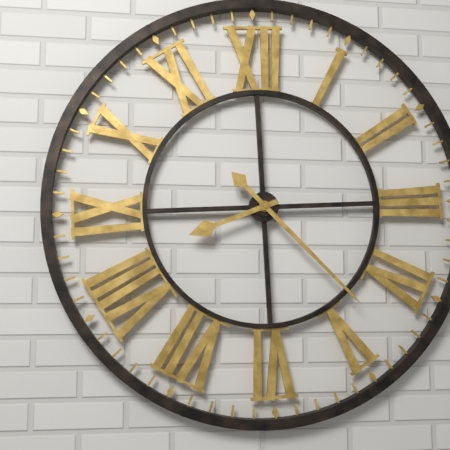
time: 8:23
